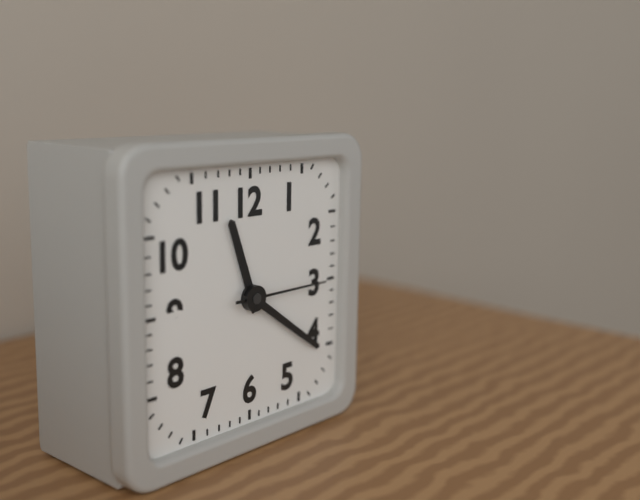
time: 11:21:15
